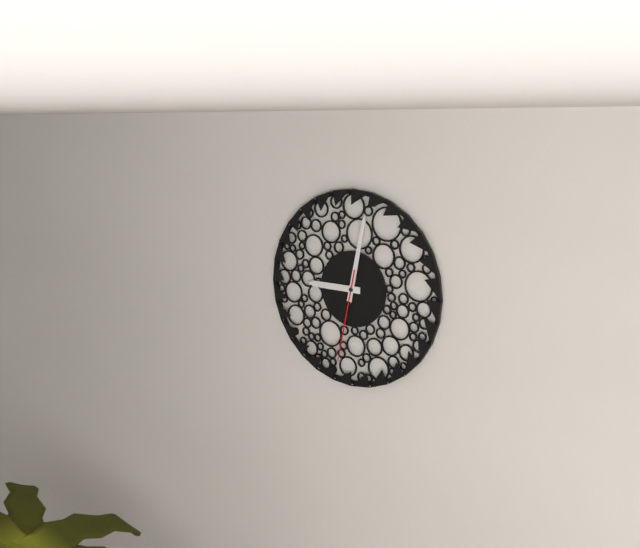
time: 9:02:32
